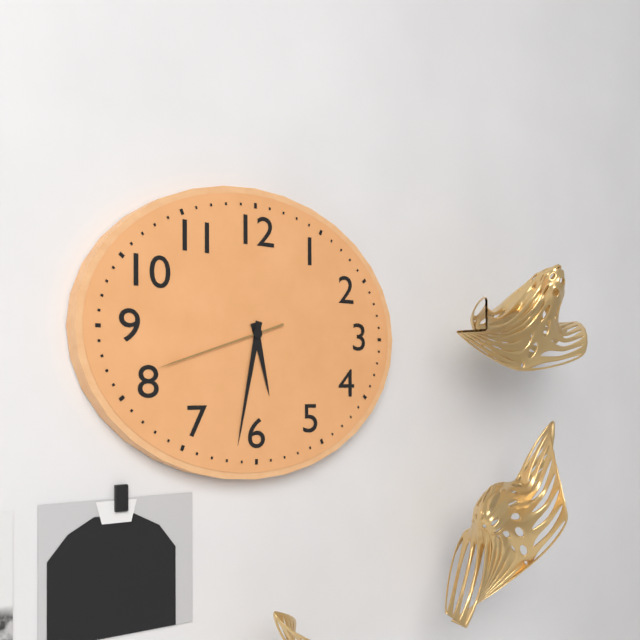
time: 5:32:42
